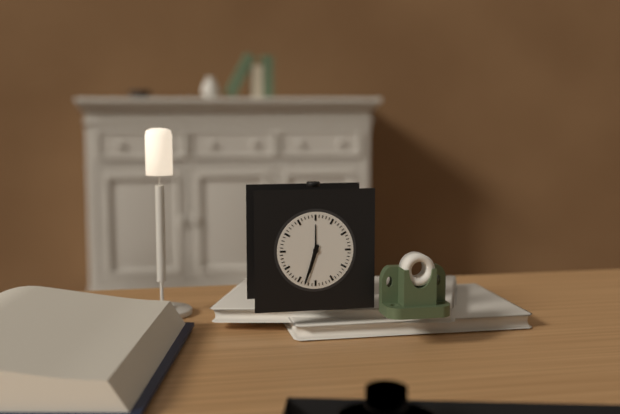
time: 6:33
